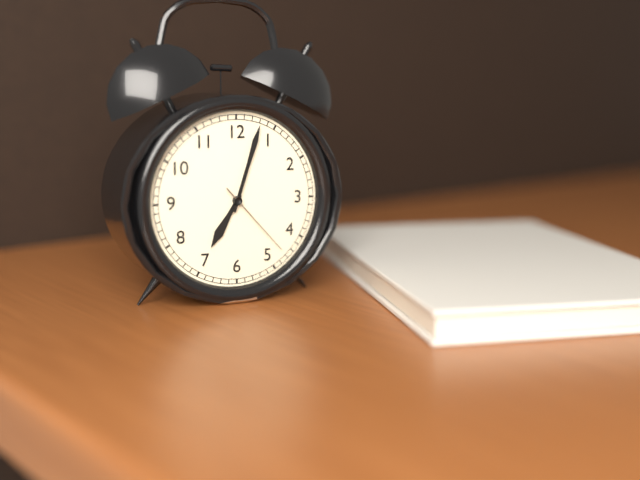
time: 7:03:23
